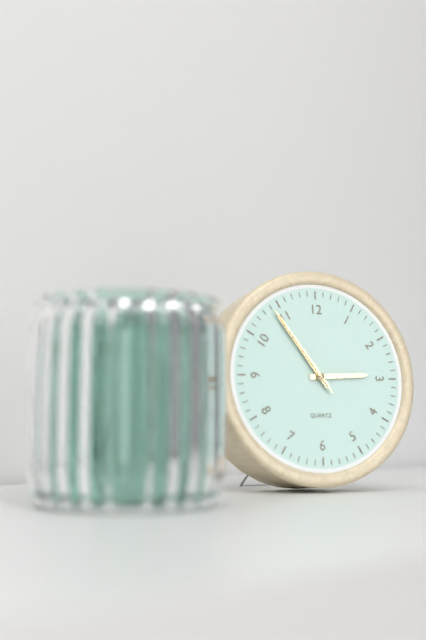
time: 2:54:54
